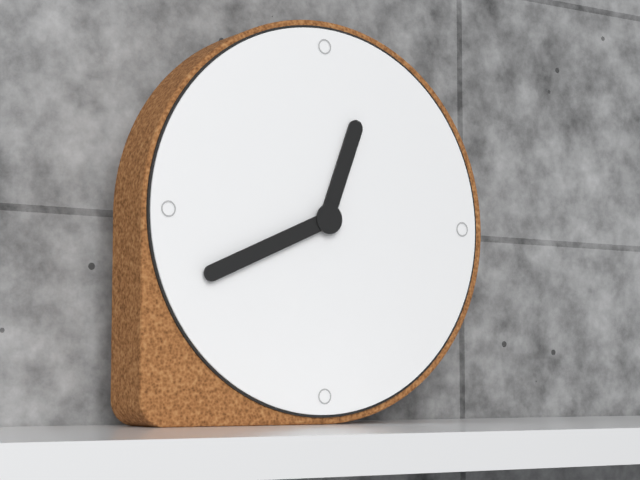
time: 12:41
